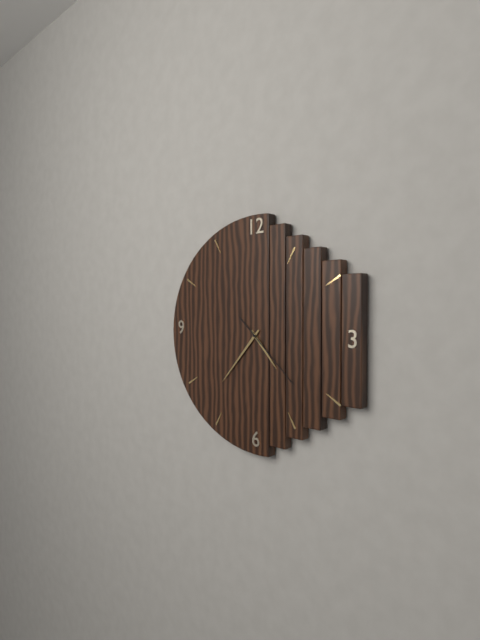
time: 4:37:22
